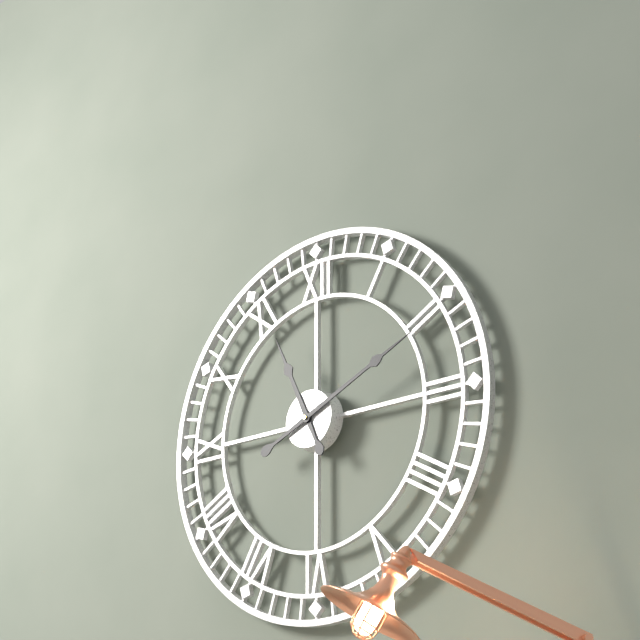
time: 11:11
